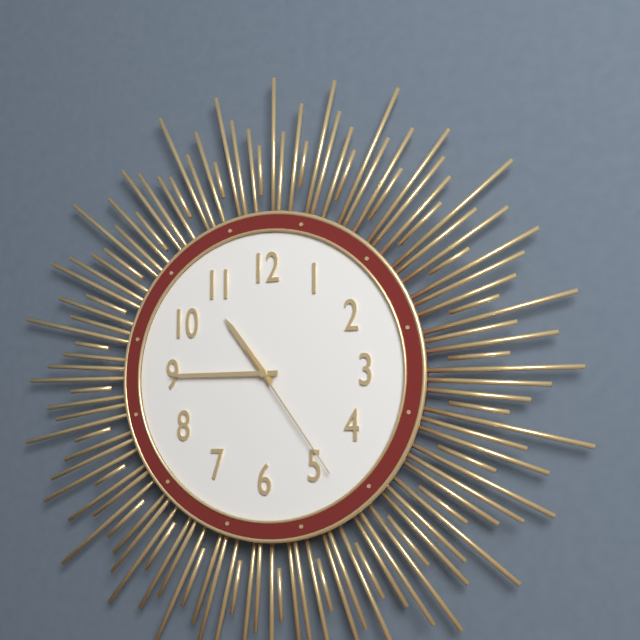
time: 10:45:24
